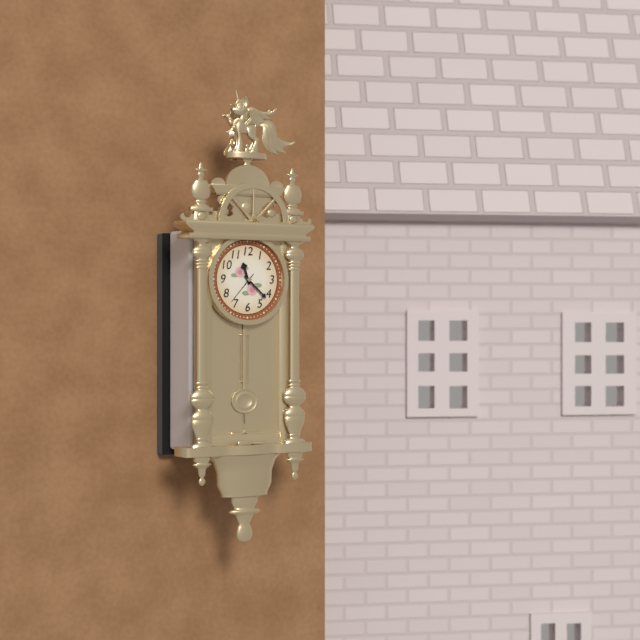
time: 11:22
